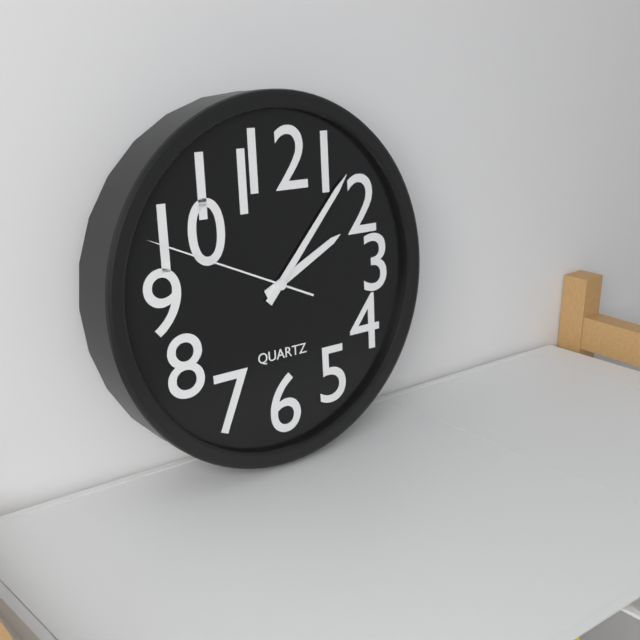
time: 2:07:49
